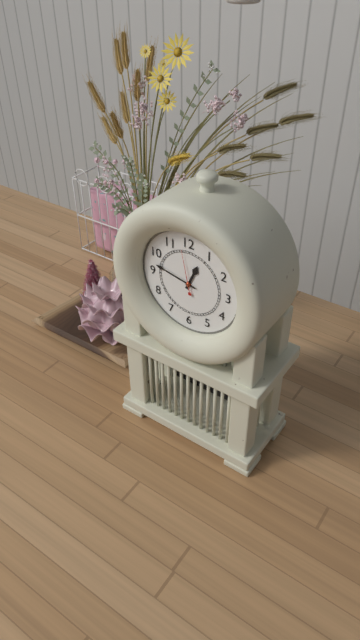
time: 12:47
